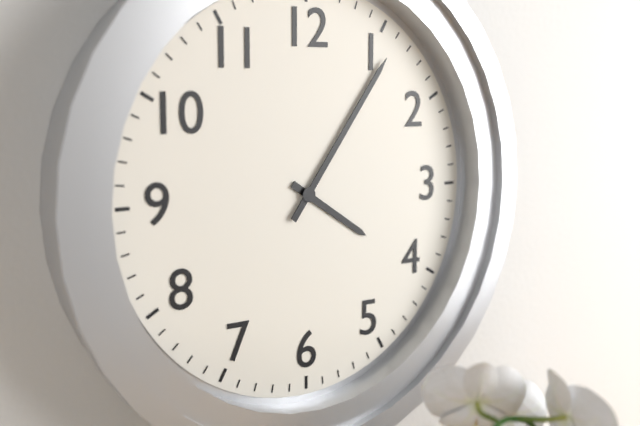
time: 4:06
